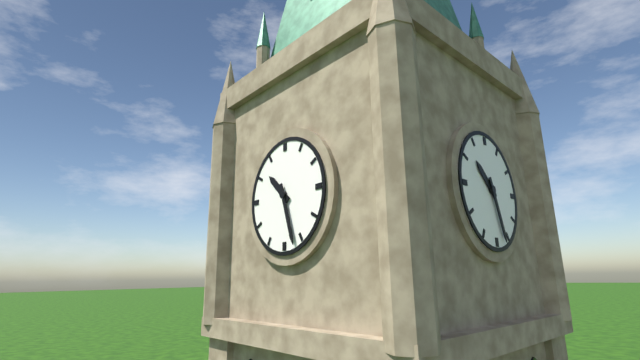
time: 10:27
